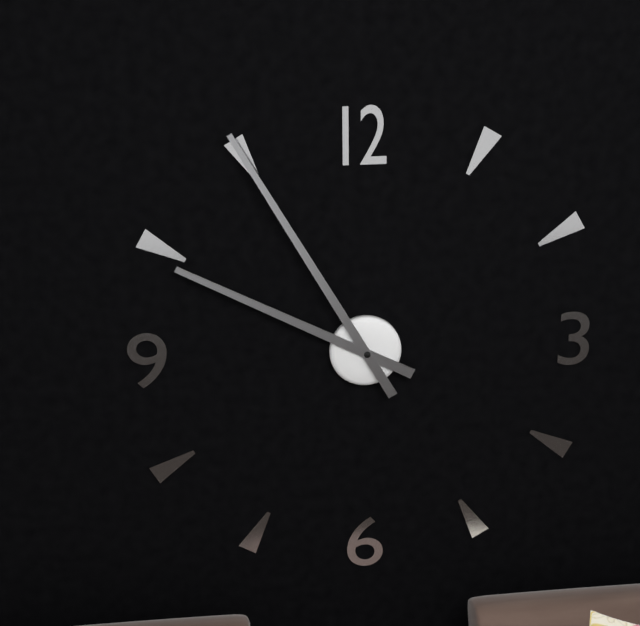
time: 9:55
